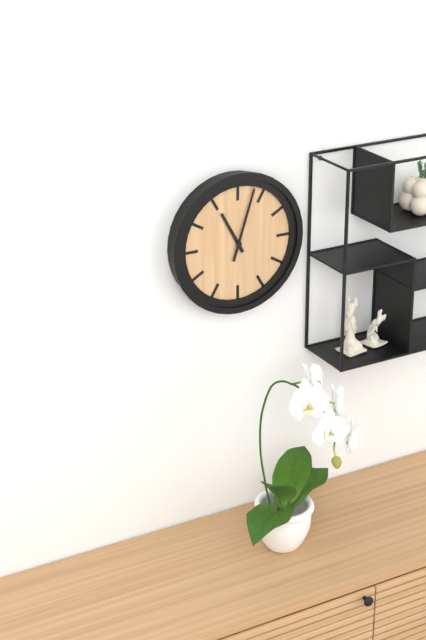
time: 11:03
